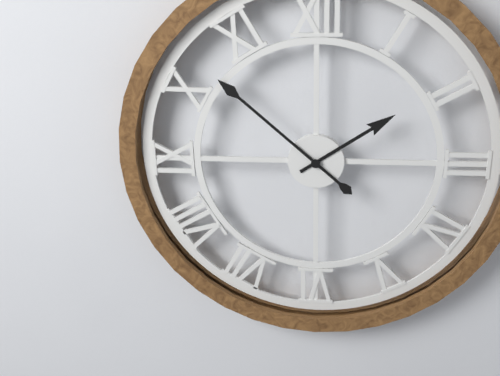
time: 1:52
